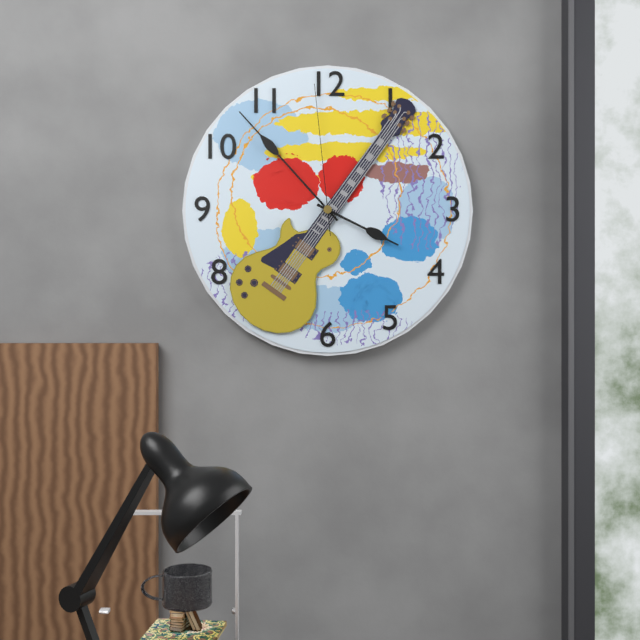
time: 3:53:59
